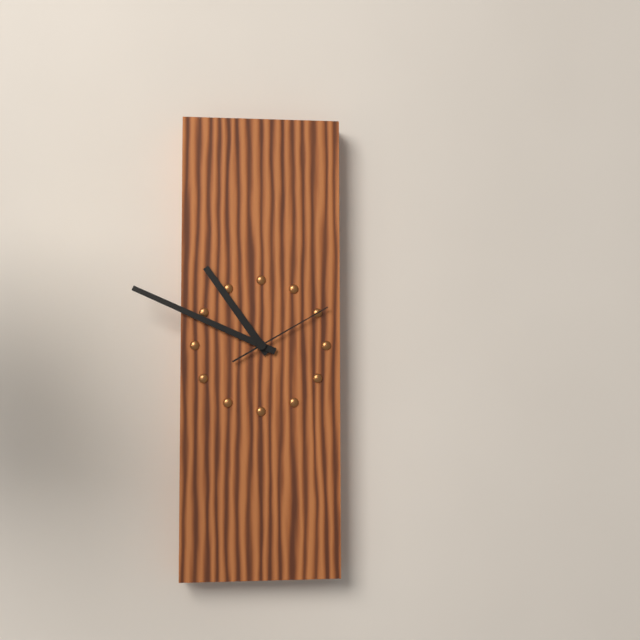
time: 10:49:10
